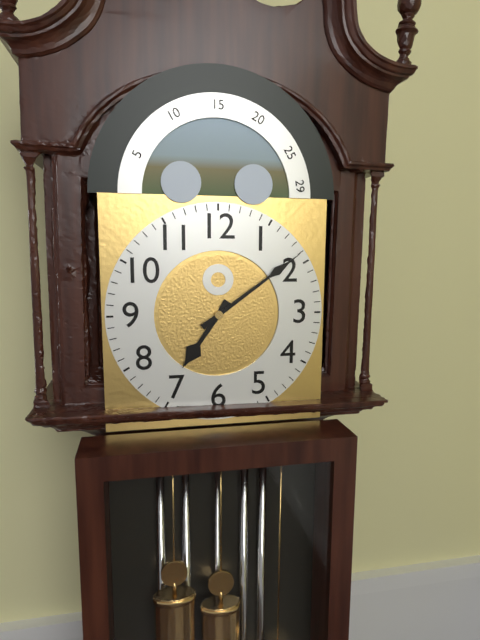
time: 7:09
